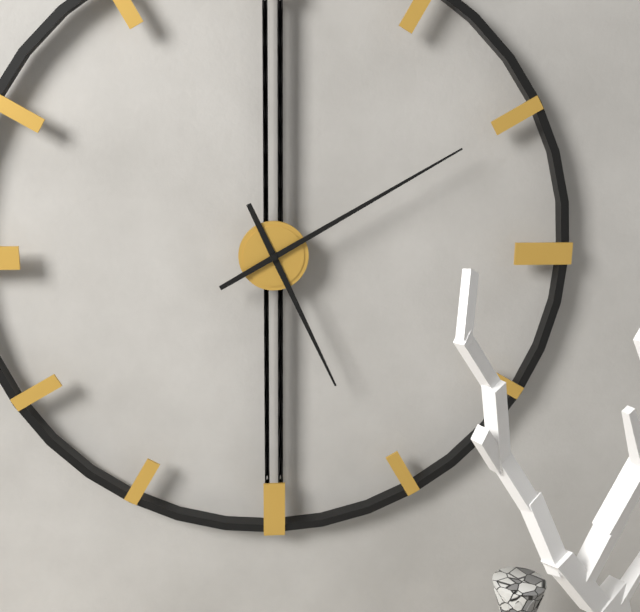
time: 5:10
